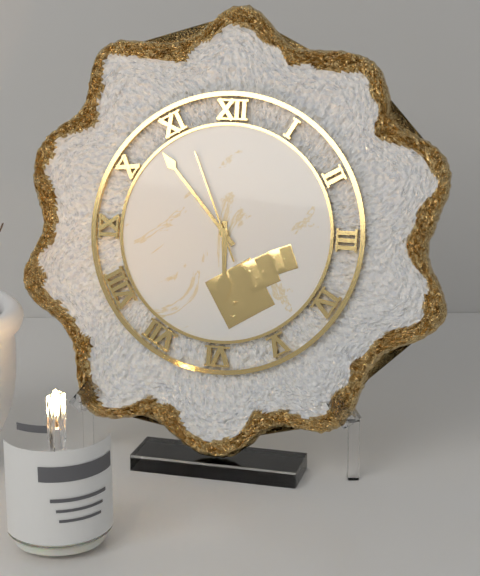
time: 5:53:56
